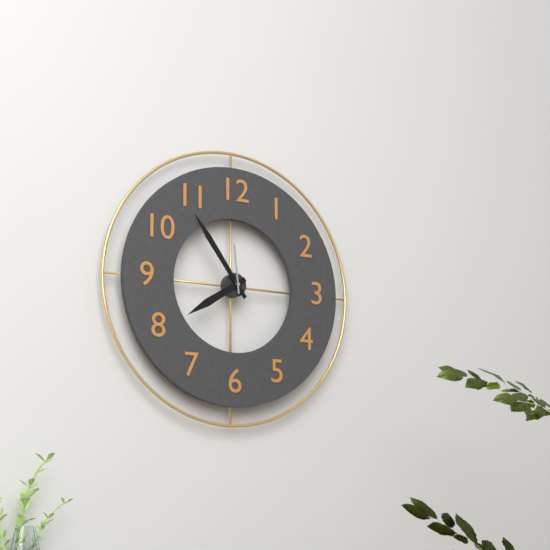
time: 7:54:59
